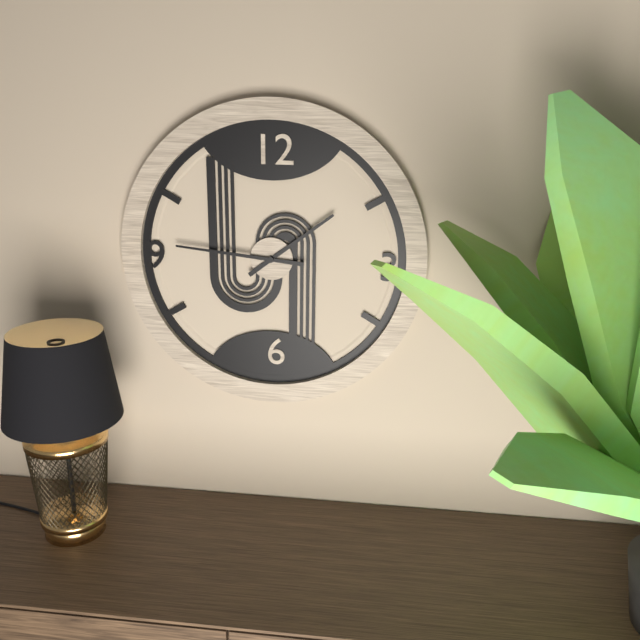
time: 1:46
